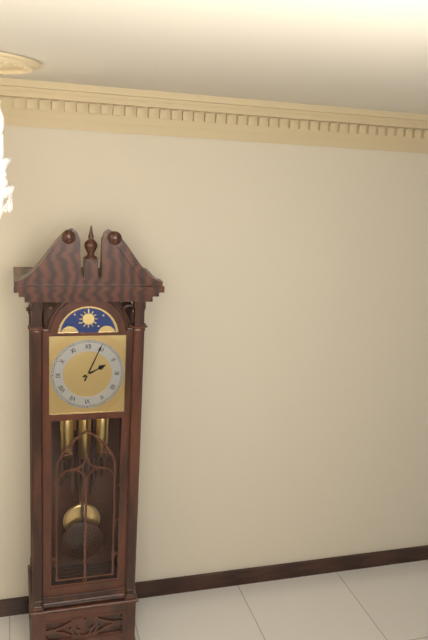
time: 2:04
